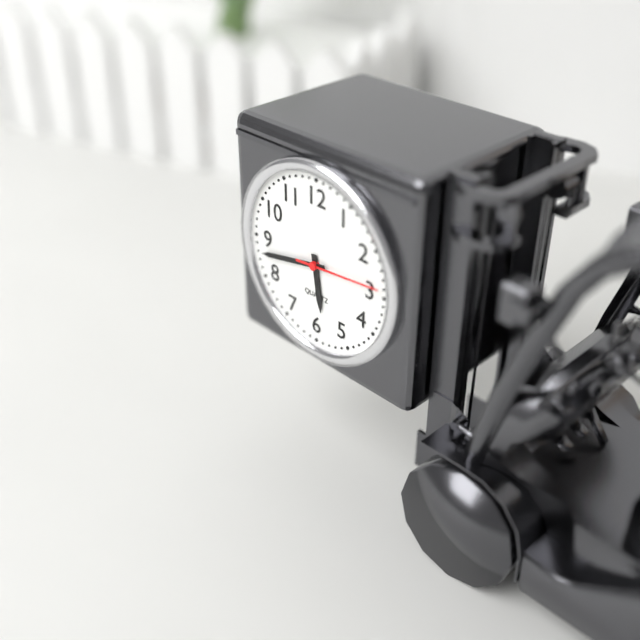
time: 5:43:14
